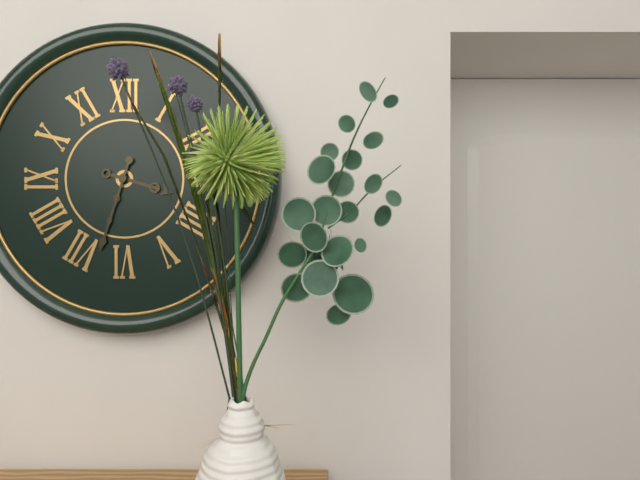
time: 3:33
